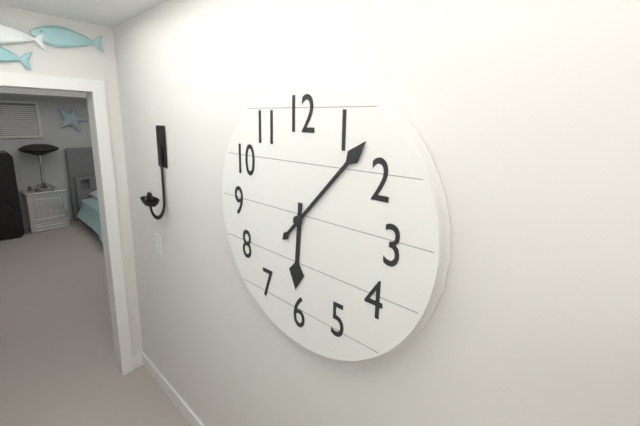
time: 6:07
